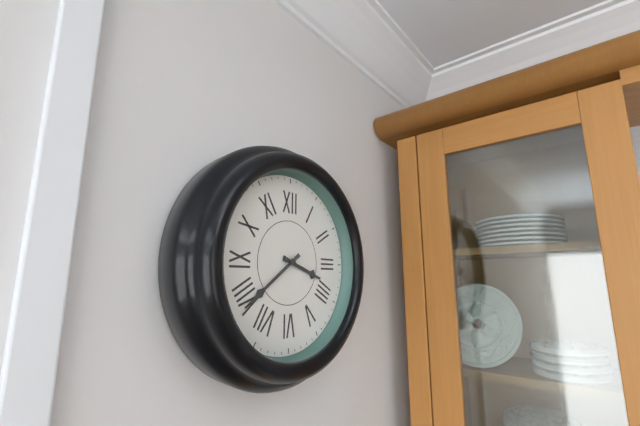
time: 3:39
